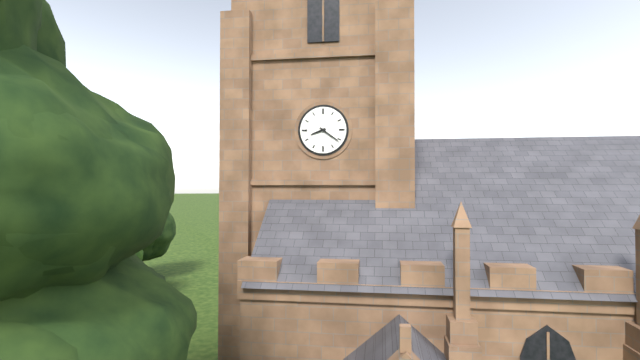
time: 8:21
